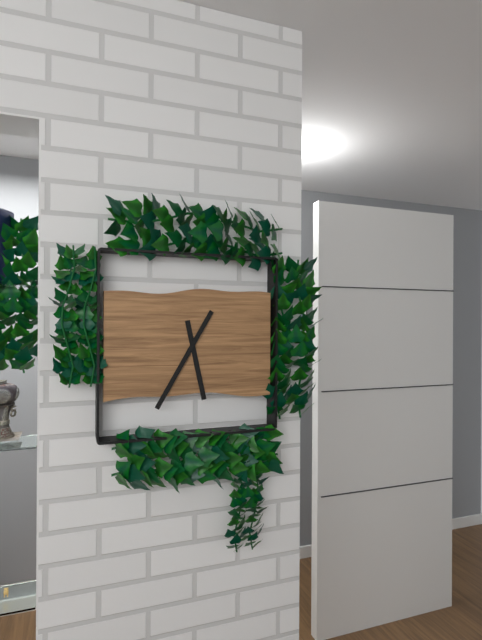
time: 5:35
